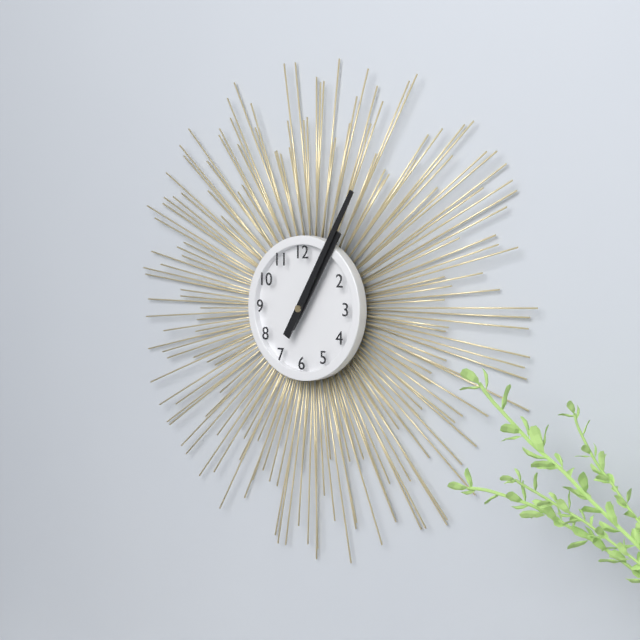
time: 1:05
